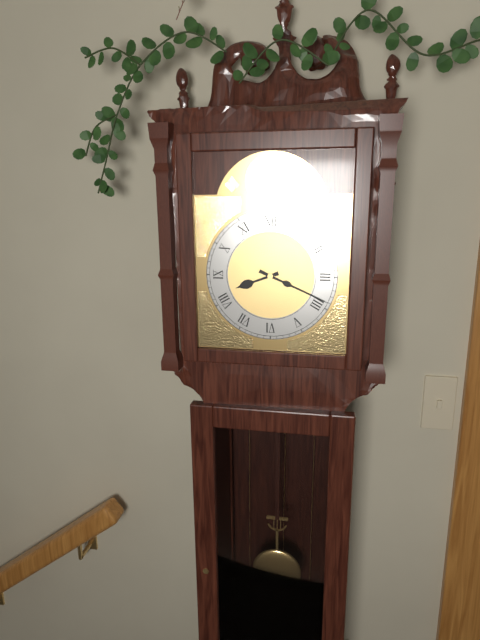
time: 8:19
